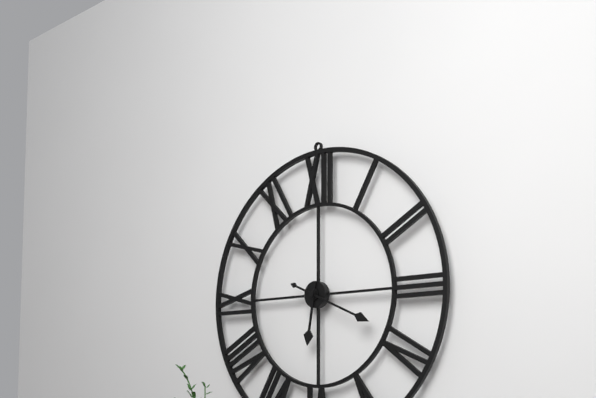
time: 6:19
